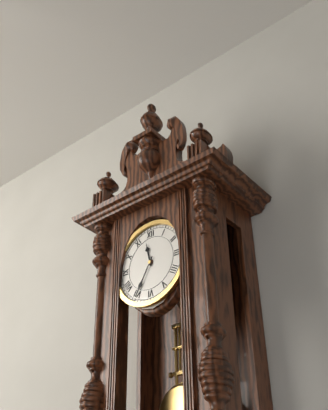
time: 11:35
